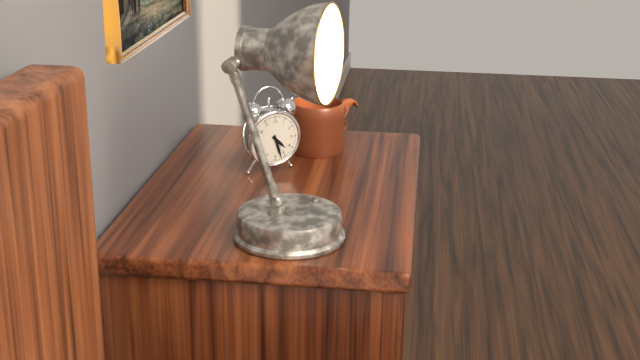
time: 4:27
